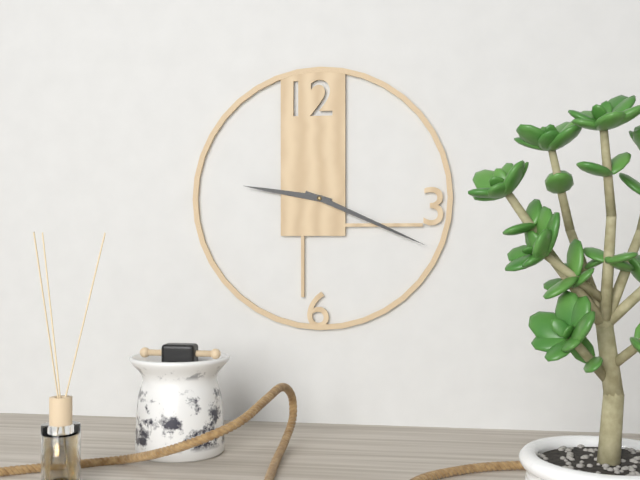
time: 9:19
